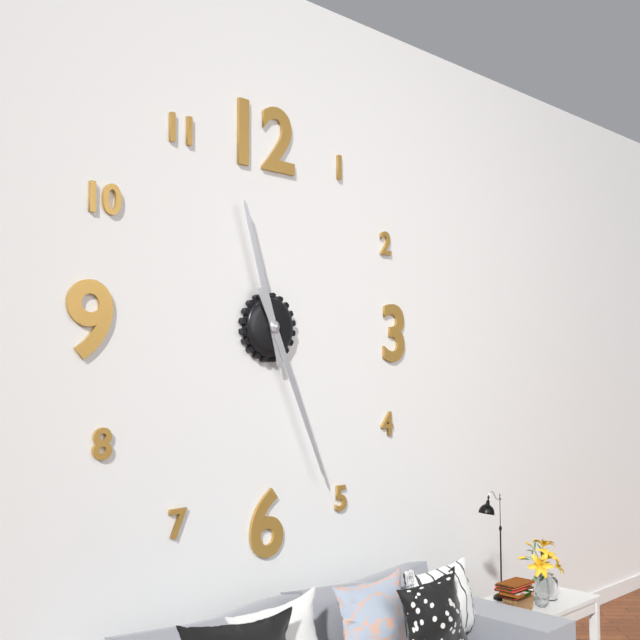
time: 11:26
